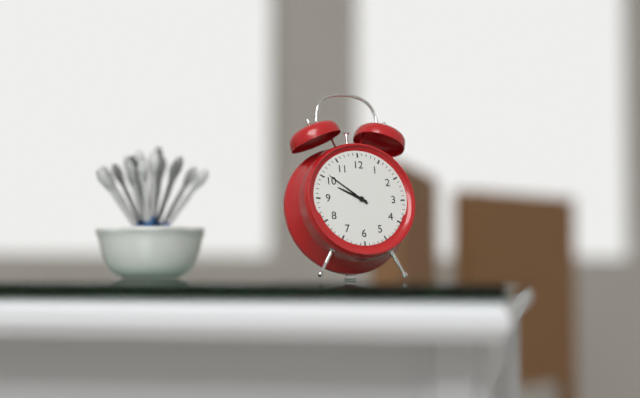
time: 9:51
